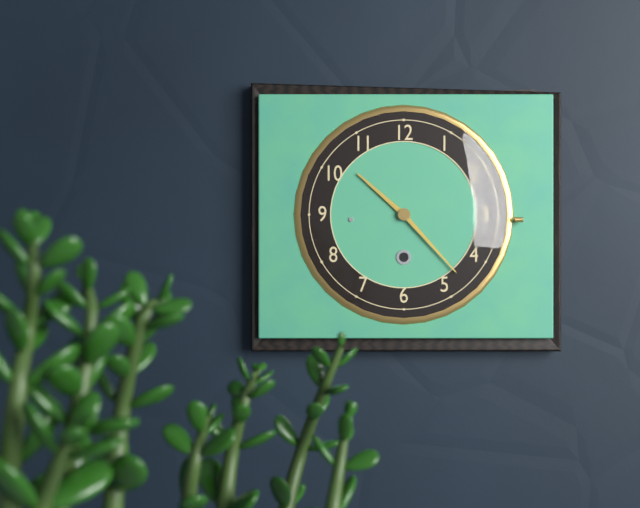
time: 10:23
